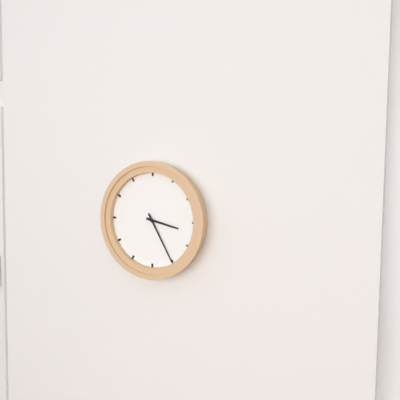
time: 3:25
